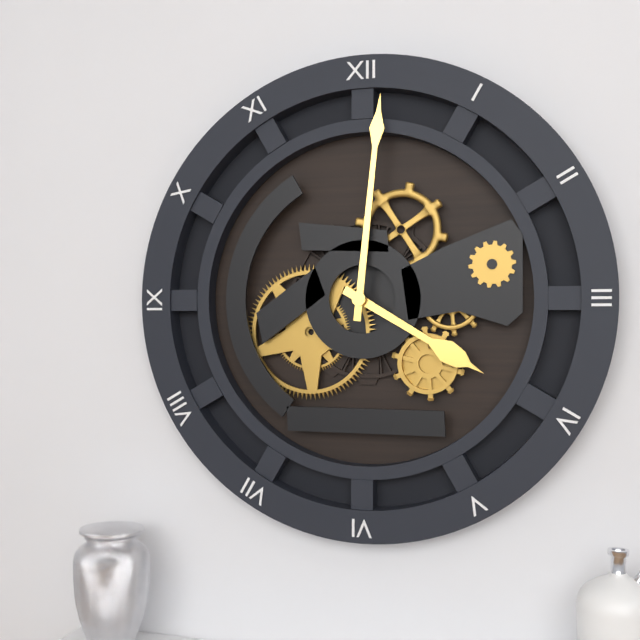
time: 4:01
